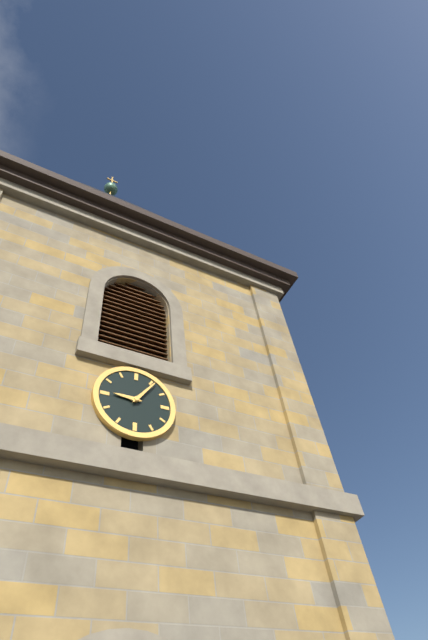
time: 9:06
